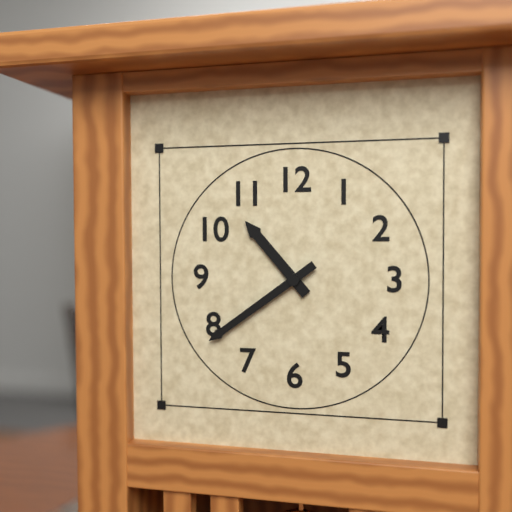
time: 10:39
